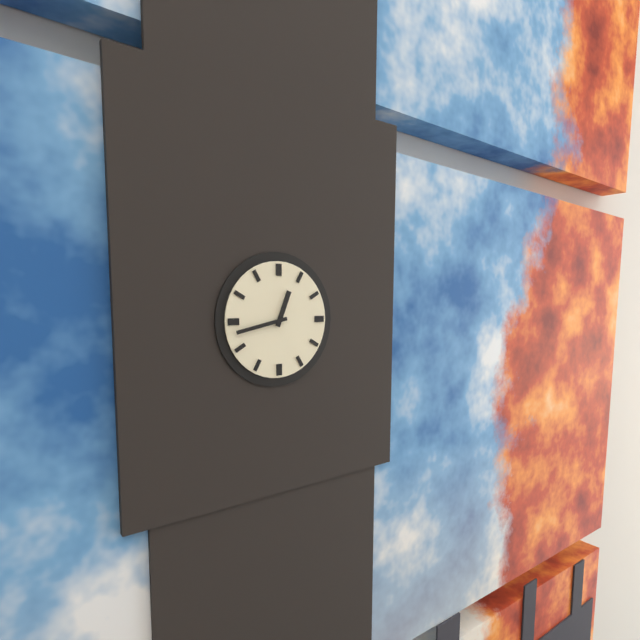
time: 12:43
